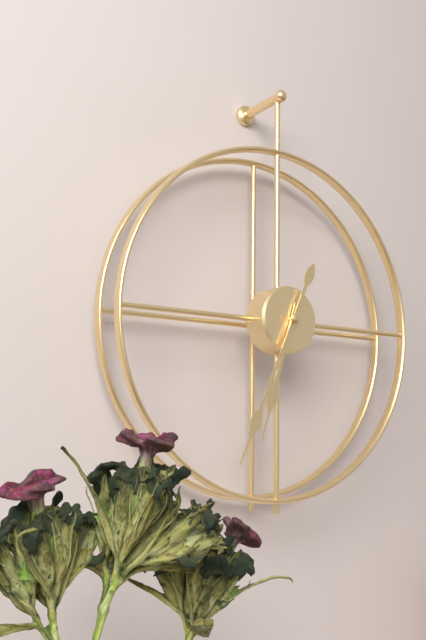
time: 6:34
